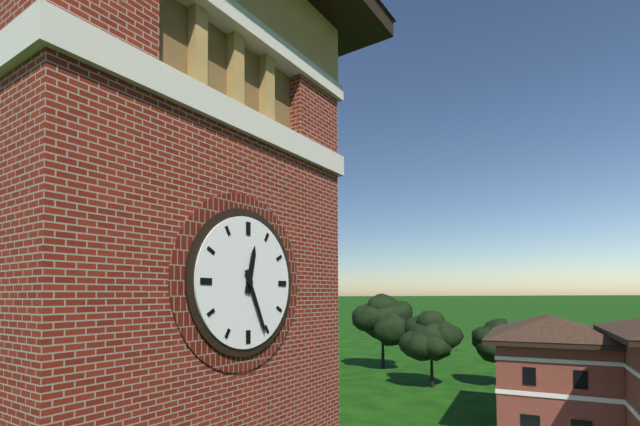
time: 12:26
